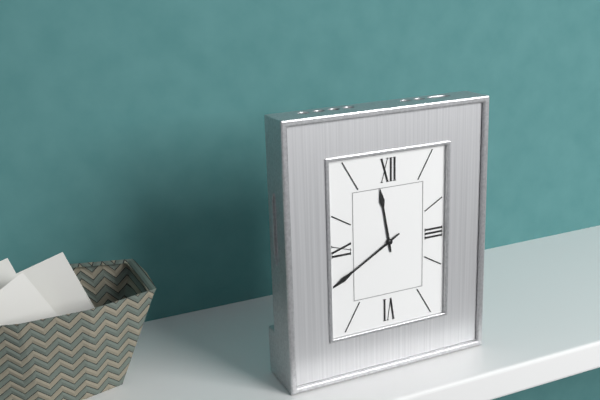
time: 11:40
